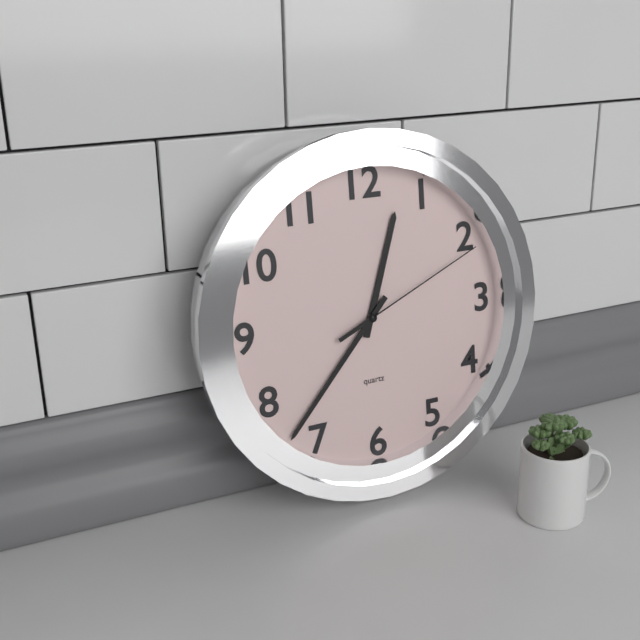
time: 12:37:11
